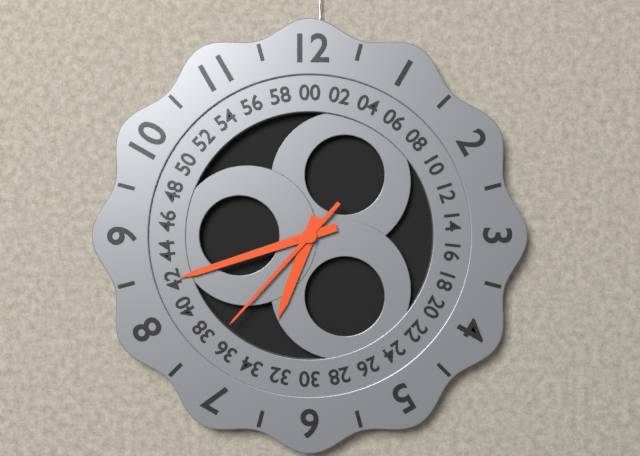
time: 6:42:37
